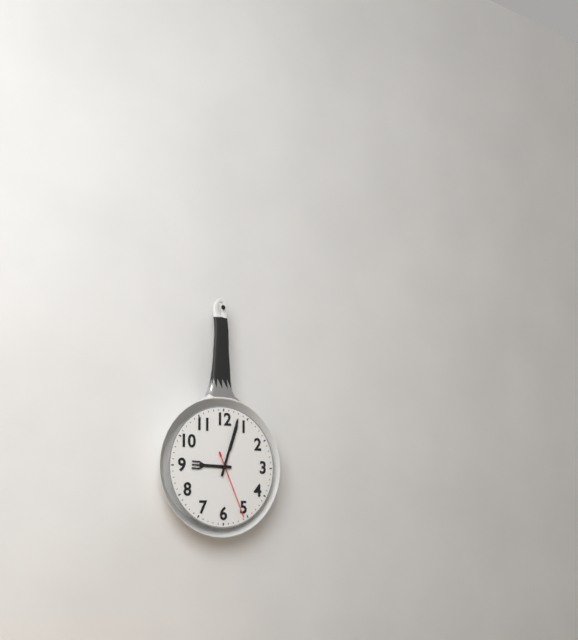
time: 9:03:26
